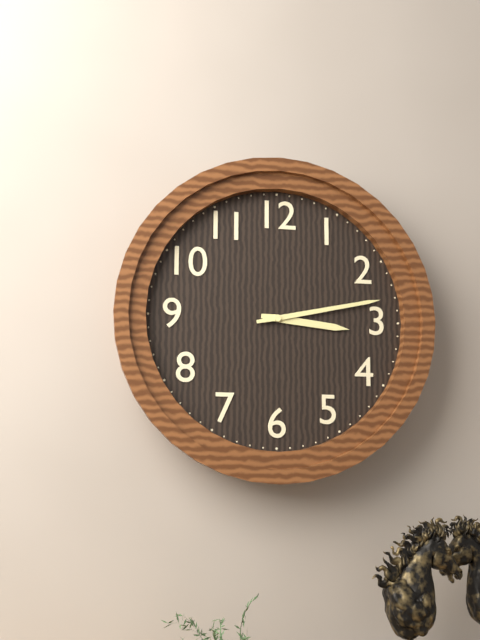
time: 3:13
